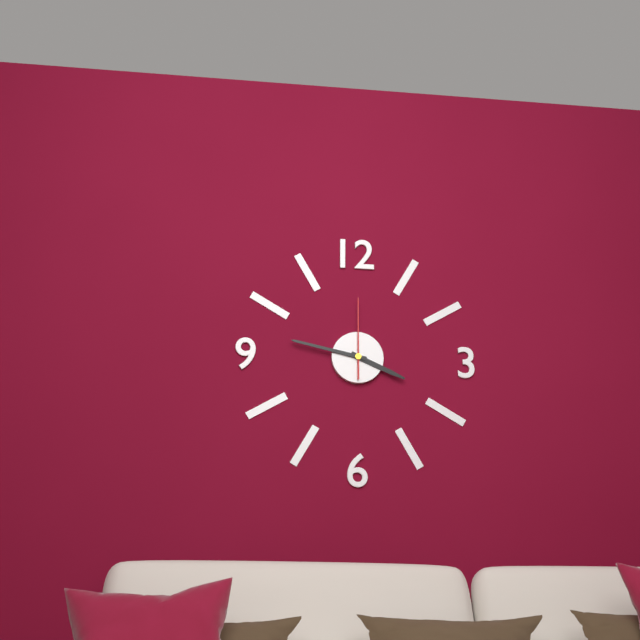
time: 3:47:00
